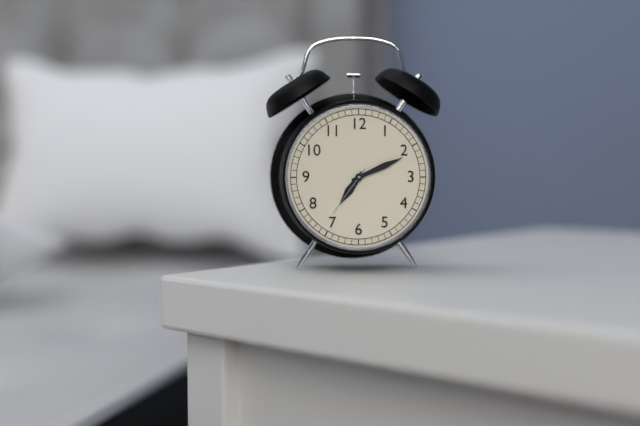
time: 7:11:36
